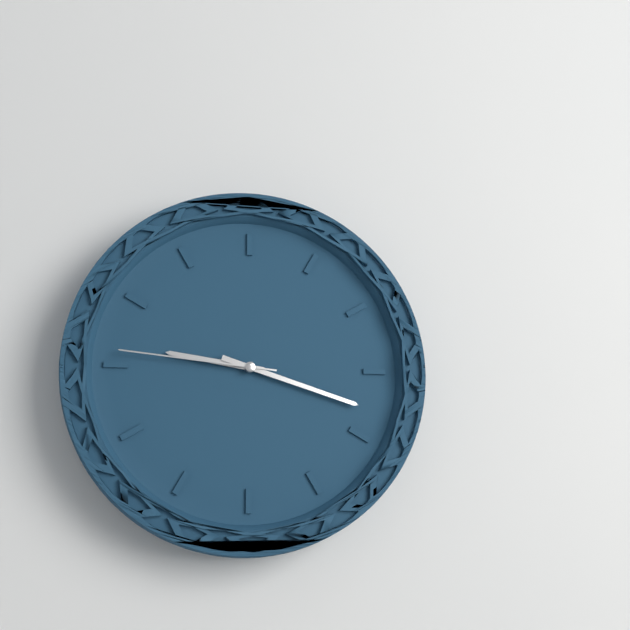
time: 9:18:46
